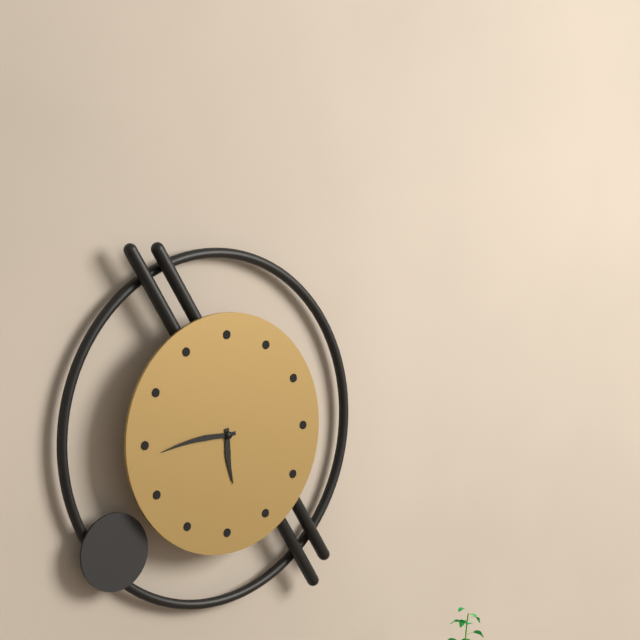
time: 5:44
